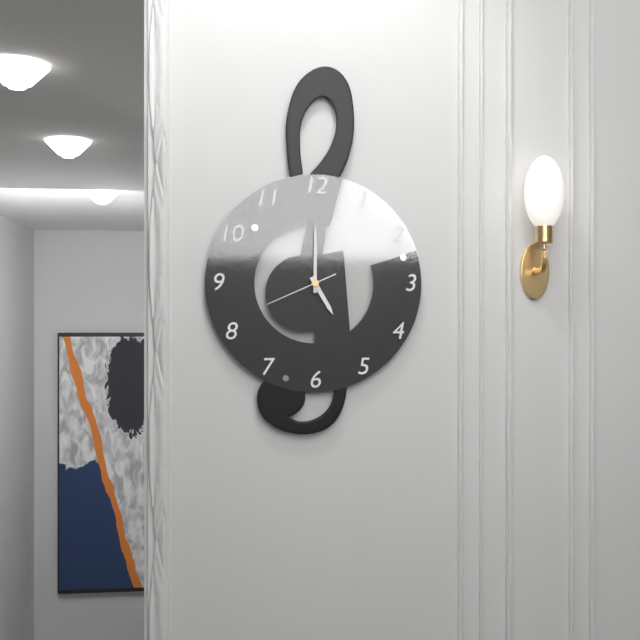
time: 5:00:41
